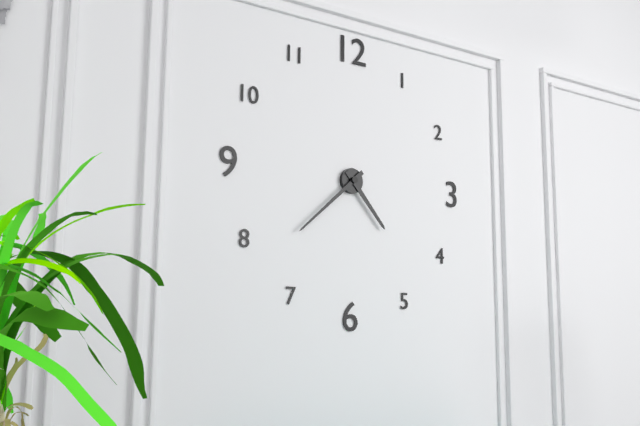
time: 4:38
